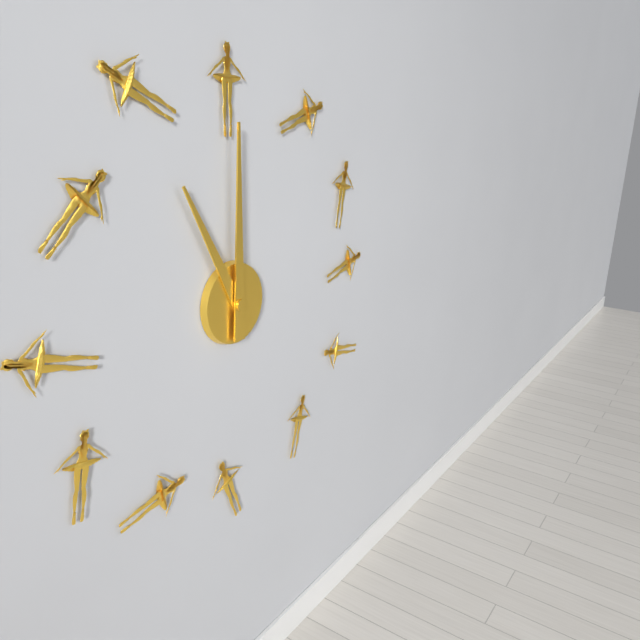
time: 11:00
